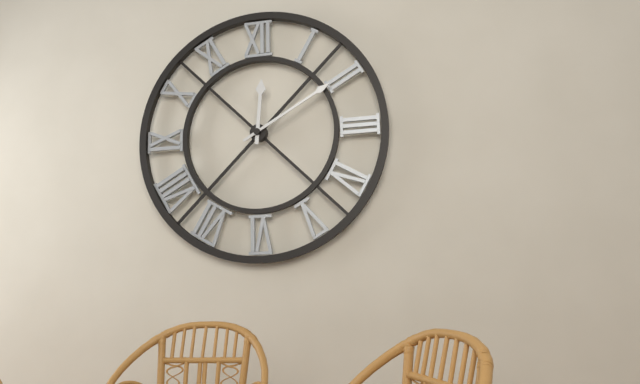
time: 12:10
